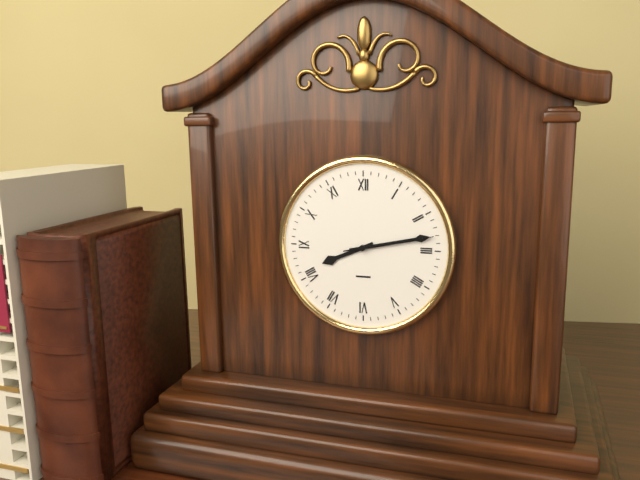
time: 8:13:13
